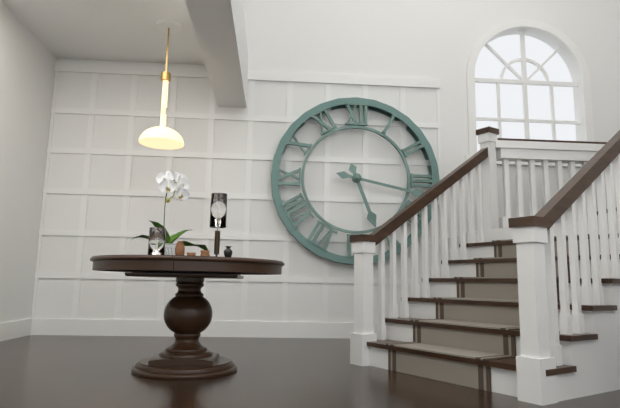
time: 5:17
